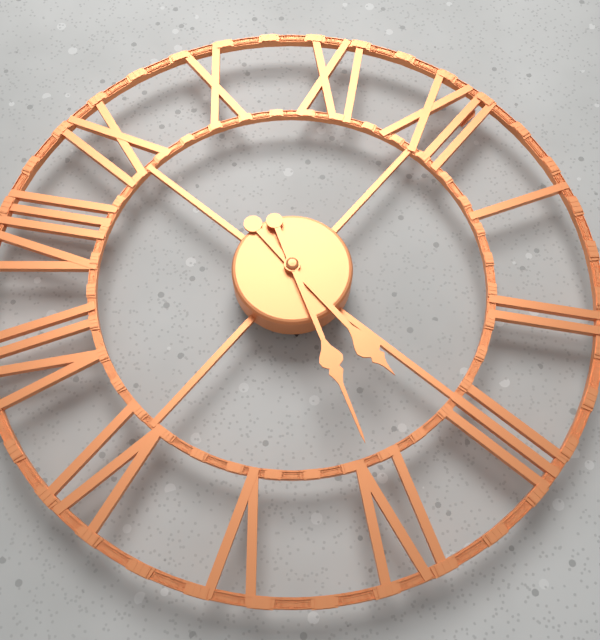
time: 3:20
